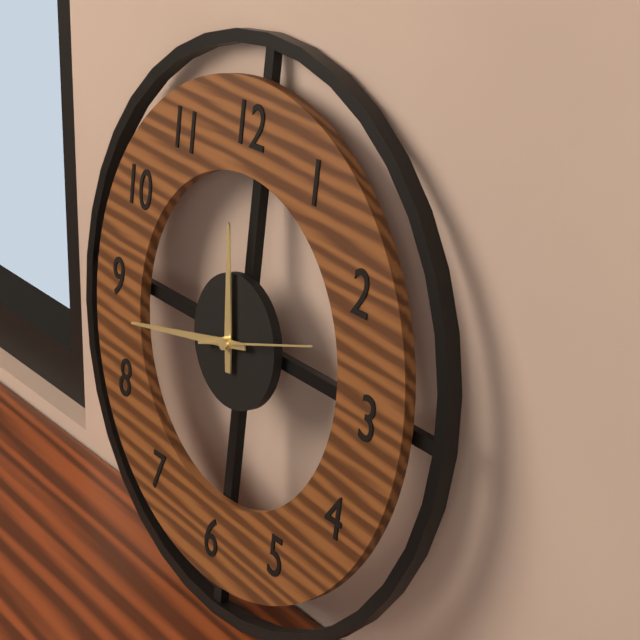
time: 11:43:12
